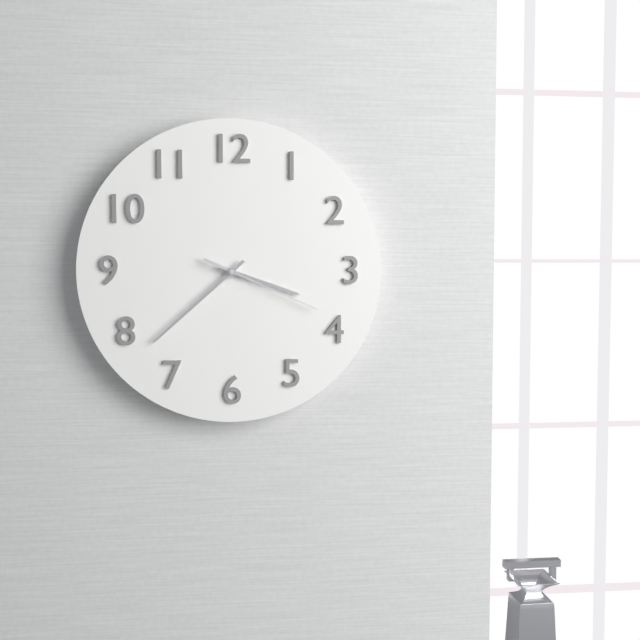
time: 3:38:19
